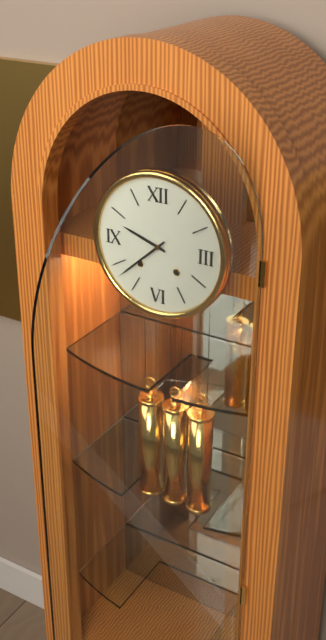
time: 9:38
